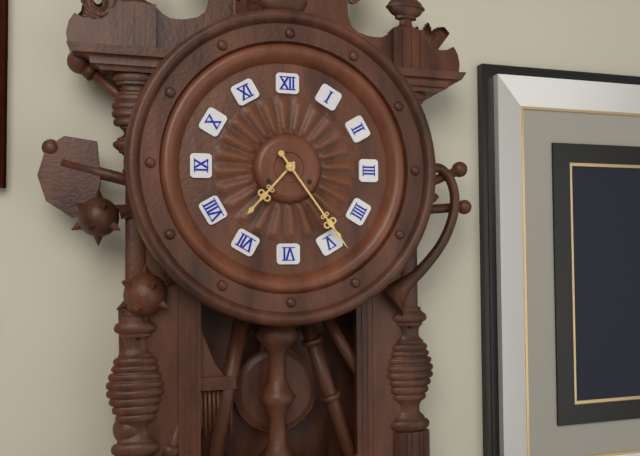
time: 7:24
